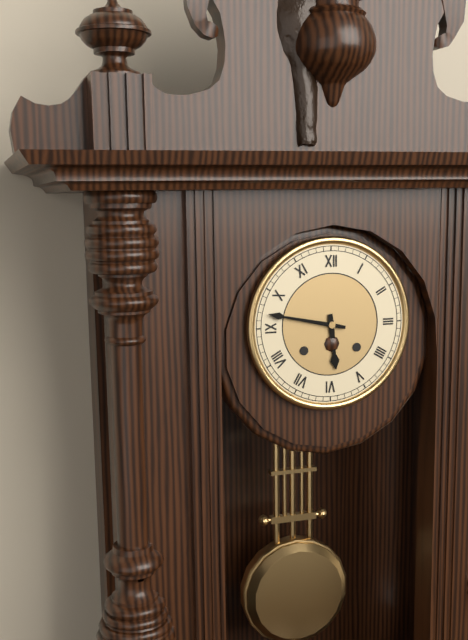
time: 5:47
